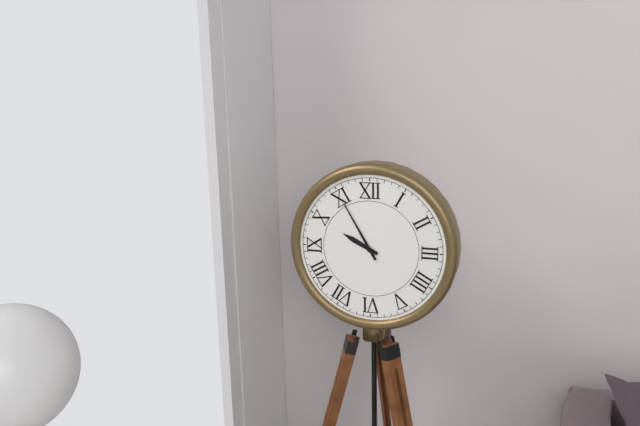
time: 9:55
